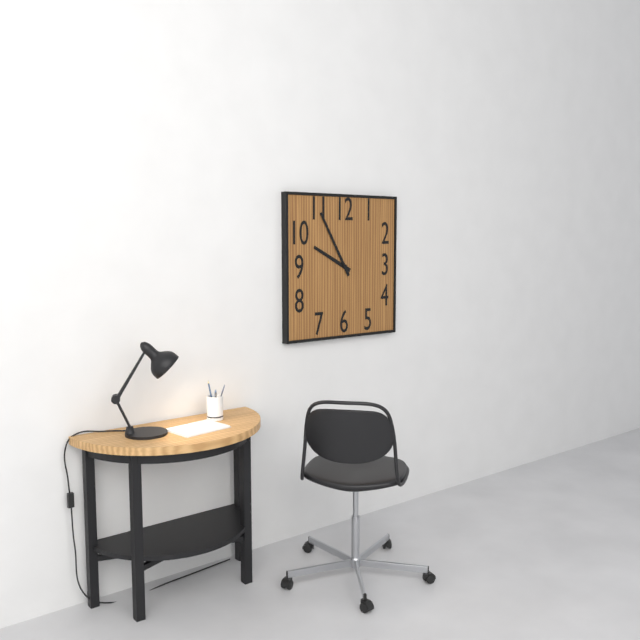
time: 9:55
